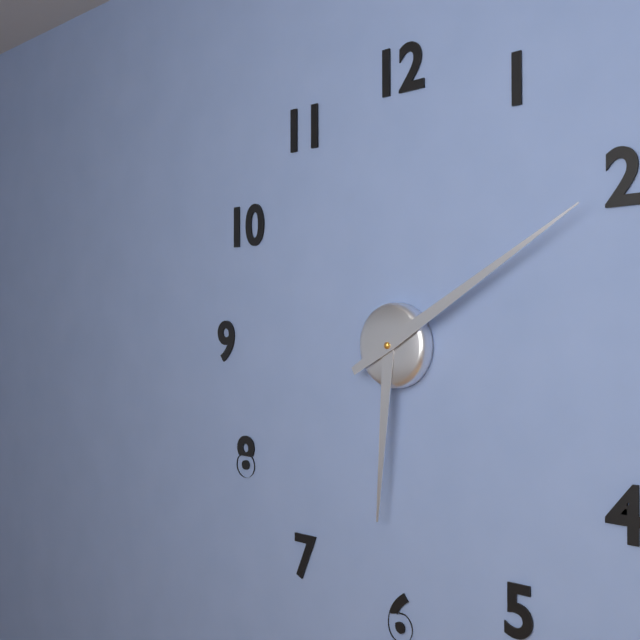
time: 6:10
